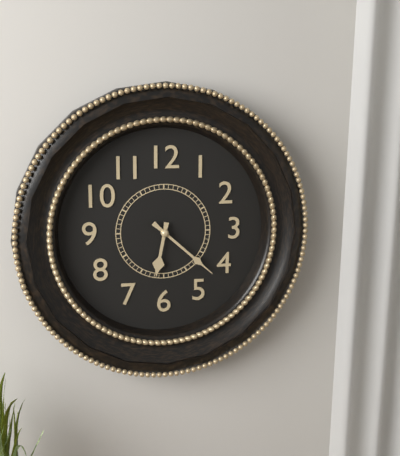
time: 6:22
